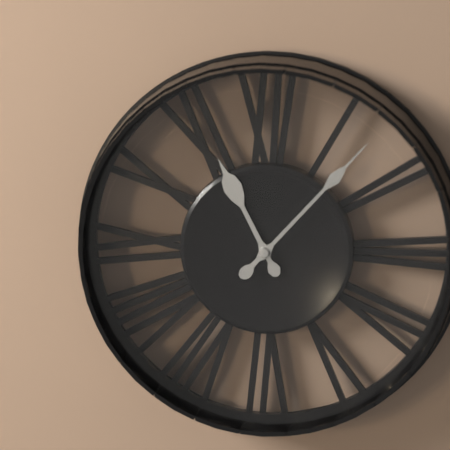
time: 11:07
